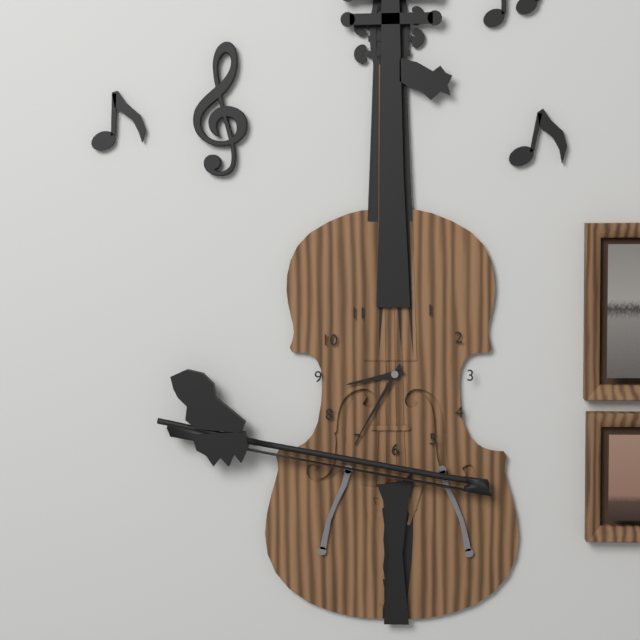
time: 8:35
